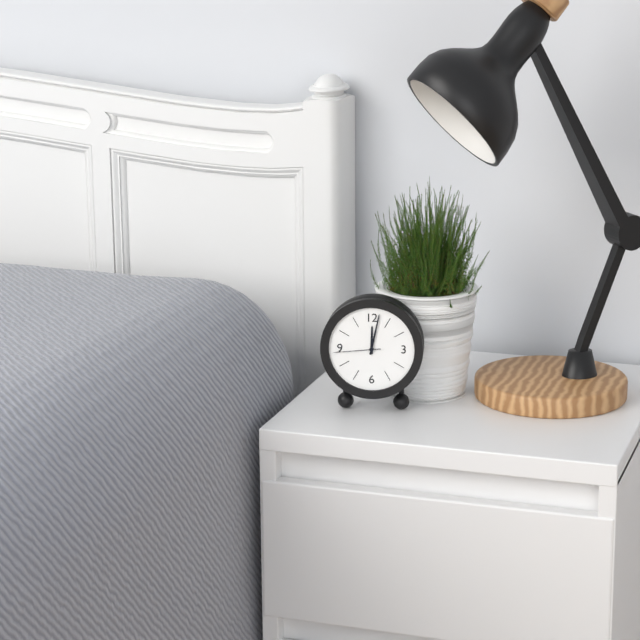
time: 12:02
